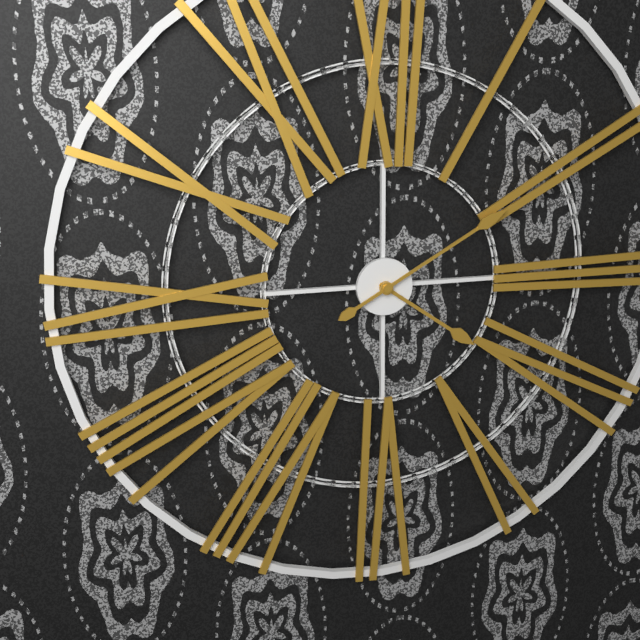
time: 4:10
